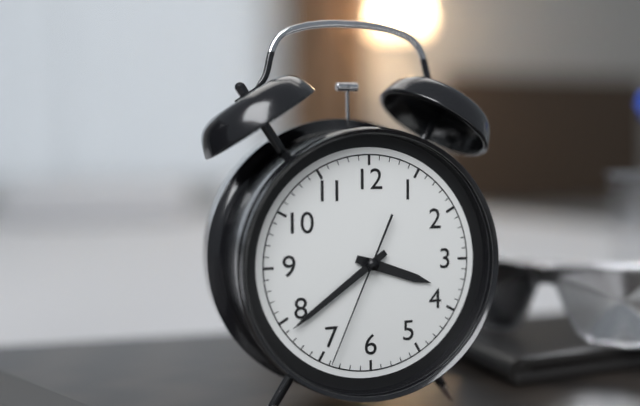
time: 3:39:34
